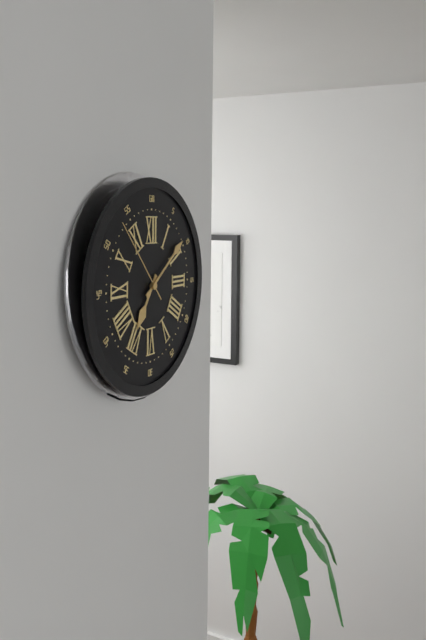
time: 7:09:53
